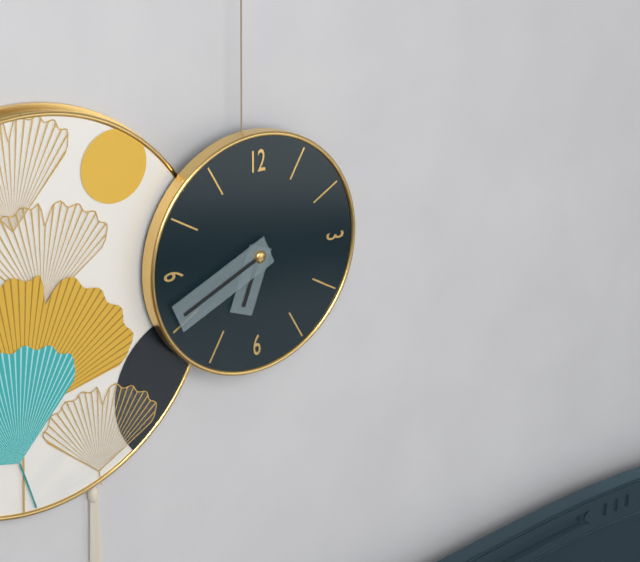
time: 6:41
